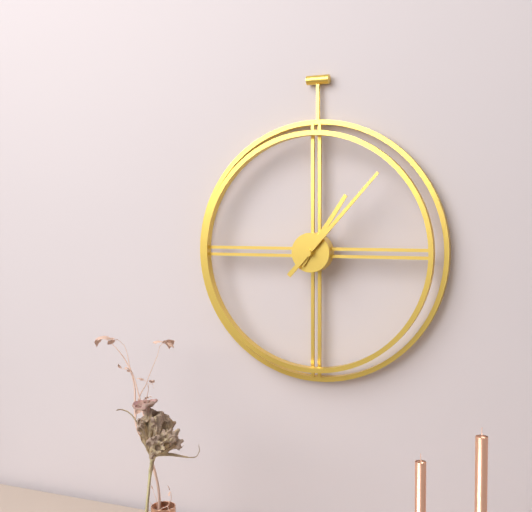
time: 1:07
